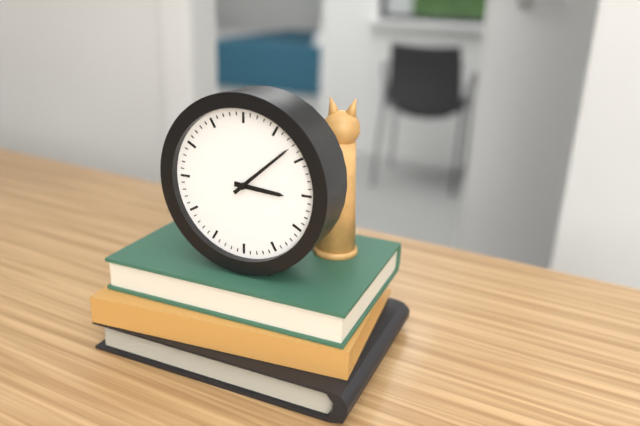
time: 3:08
